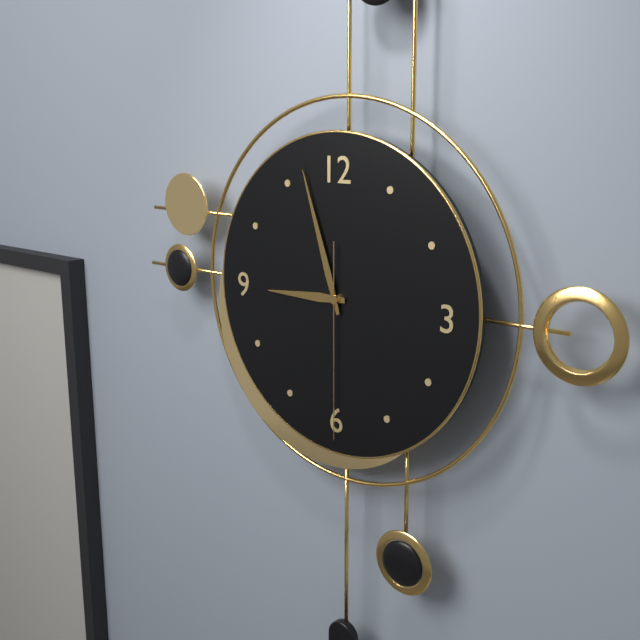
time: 8:57:30
